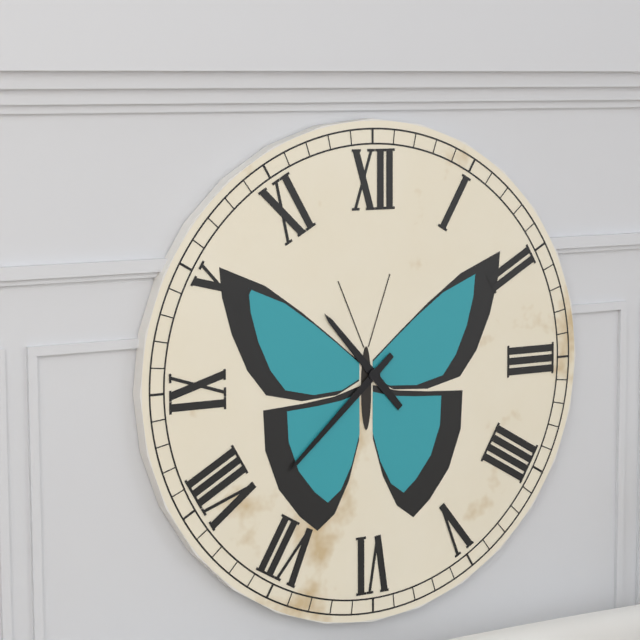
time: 10:38
